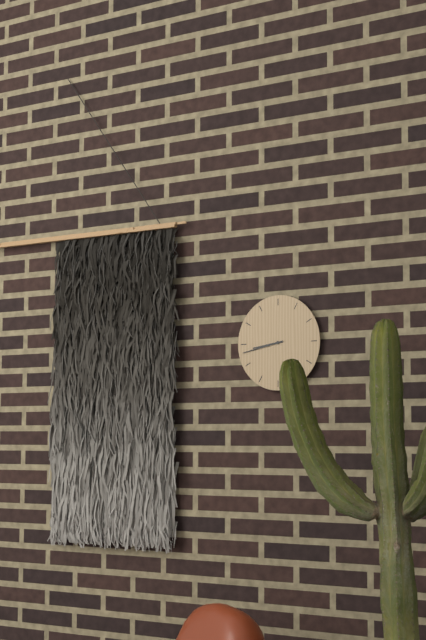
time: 8:43
